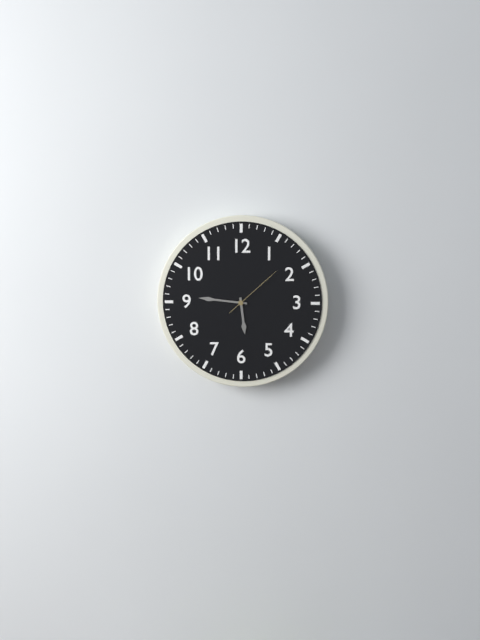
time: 5:46:08
